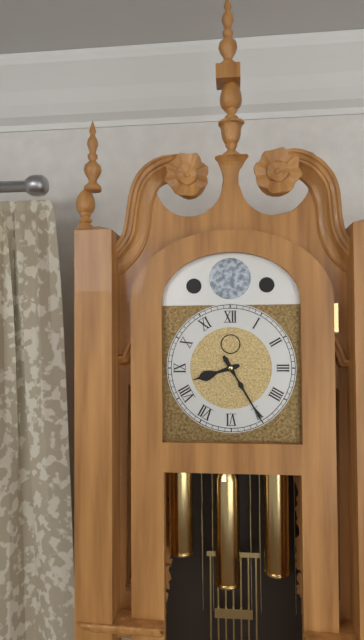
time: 8:25
